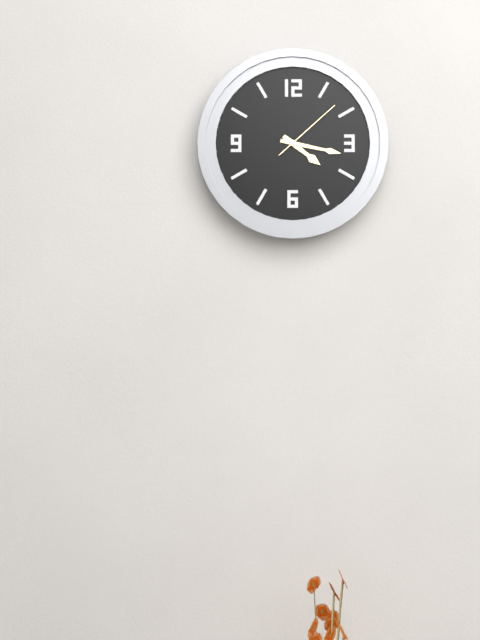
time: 4:17:08
